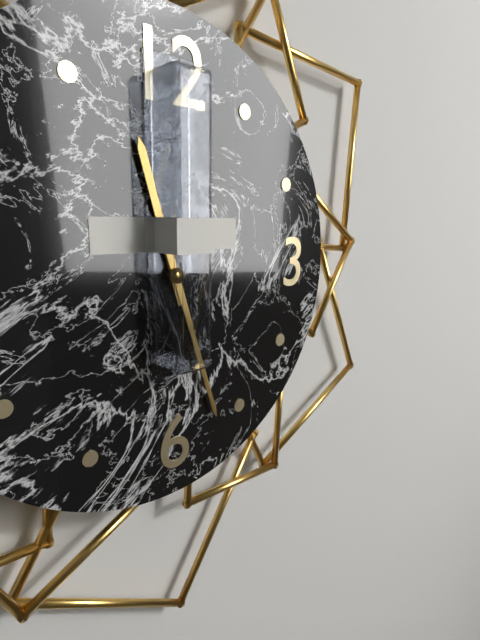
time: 11:27
